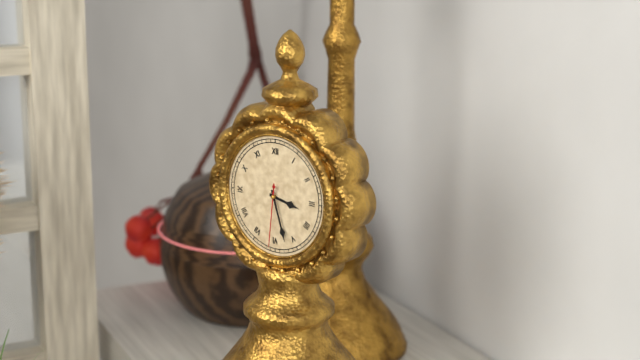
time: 3:27:31
